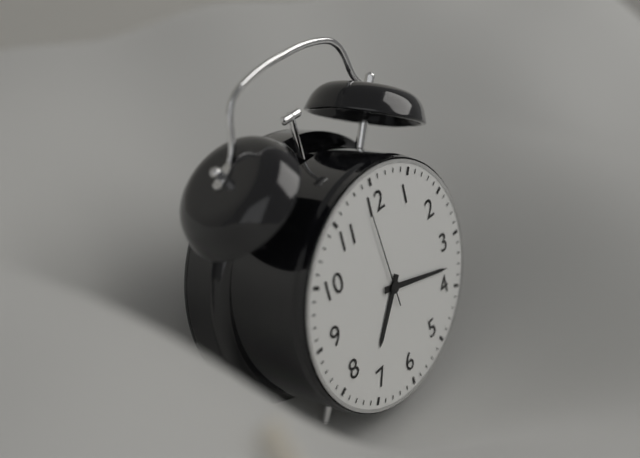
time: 7:18:59
